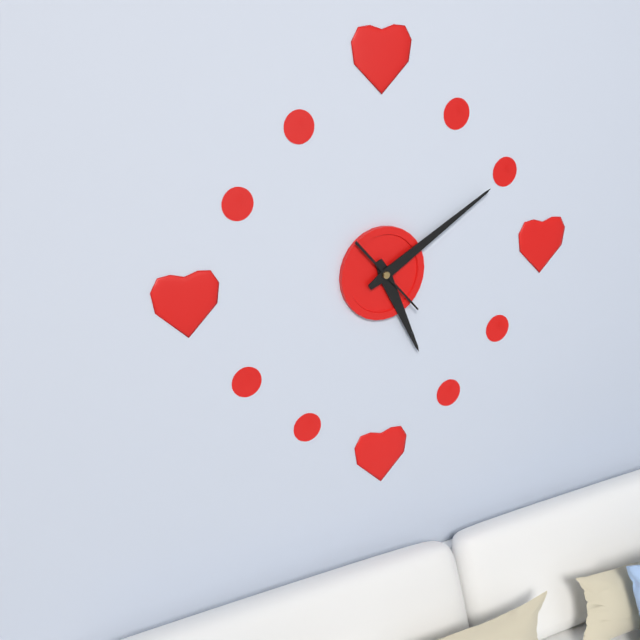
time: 5:10:23
